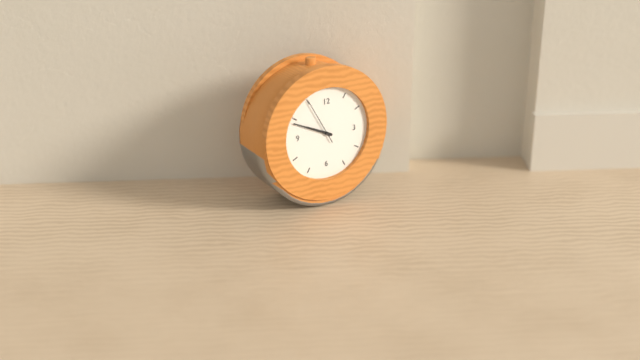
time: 9:49
